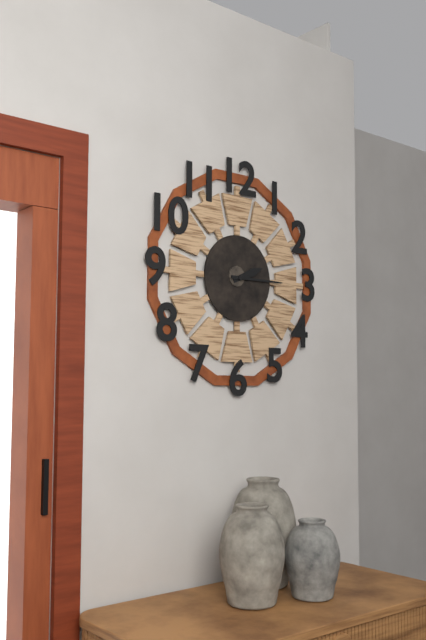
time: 2:15
